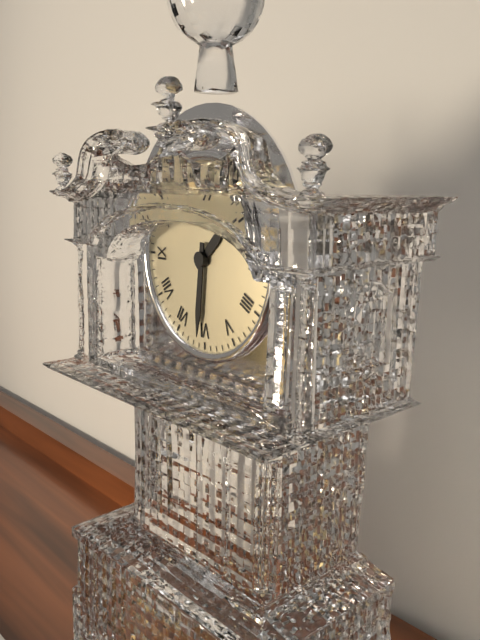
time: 1:31
